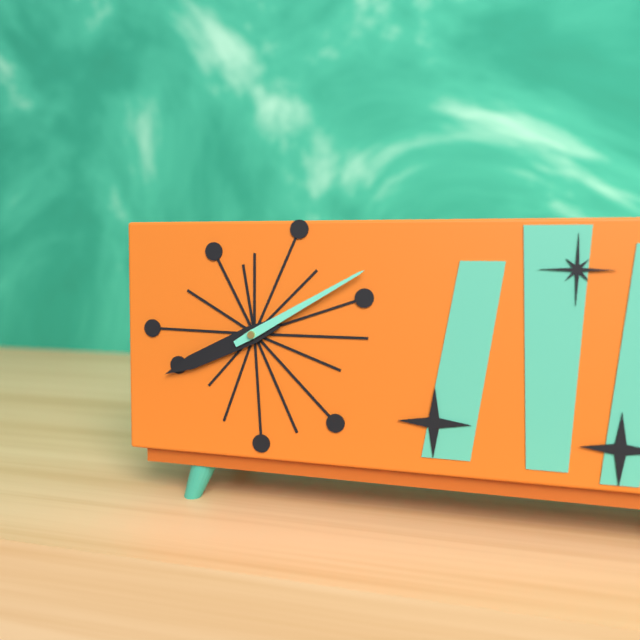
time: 8:10
